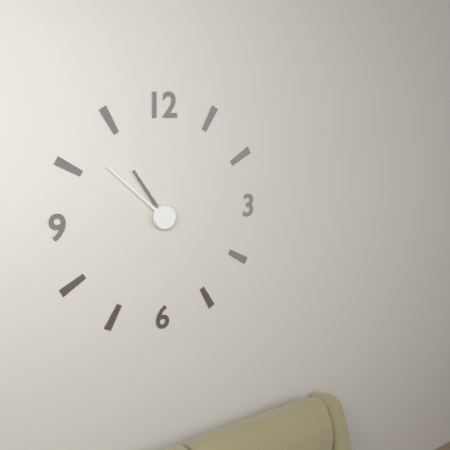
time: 10:52
